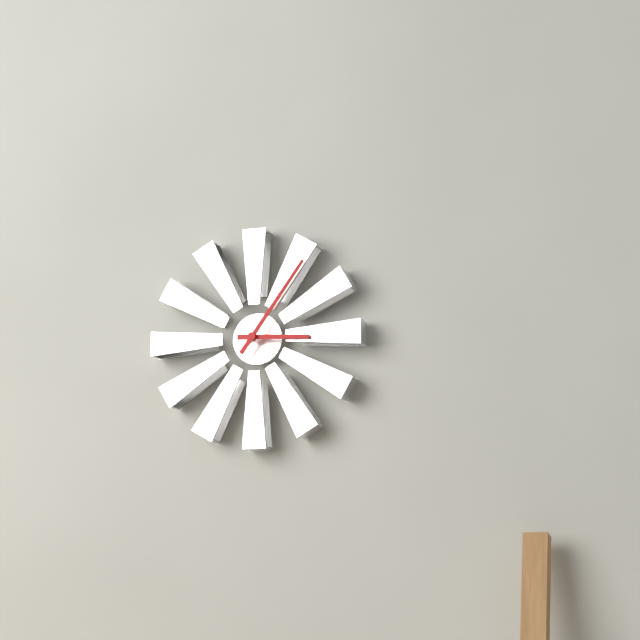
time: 3:06
